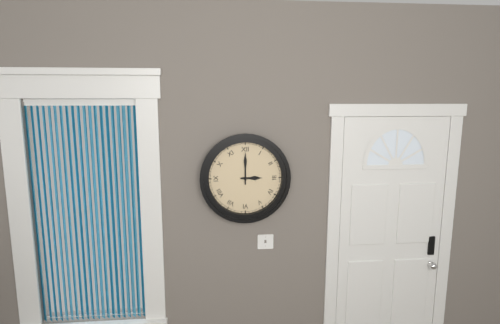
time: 3:00
